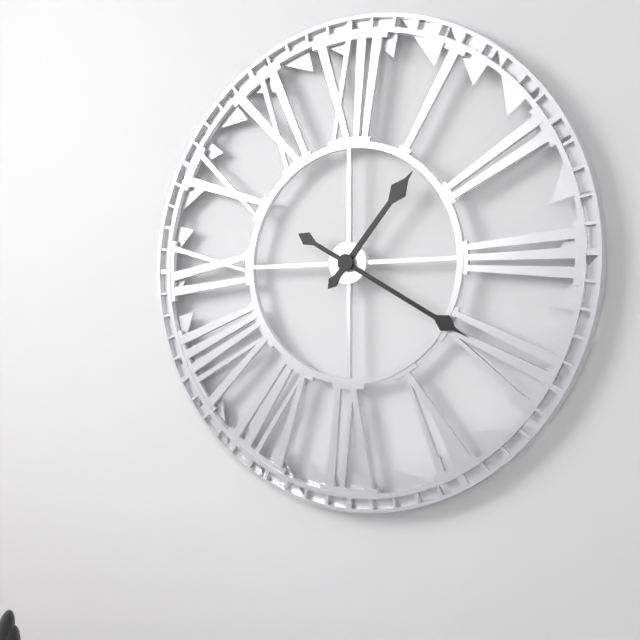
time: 1:20
